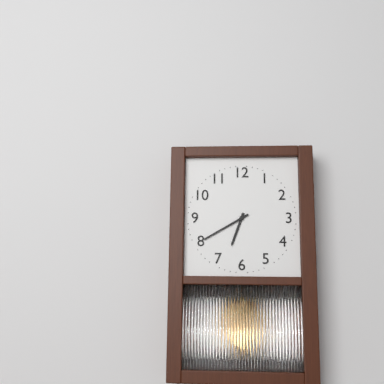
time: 6:40
